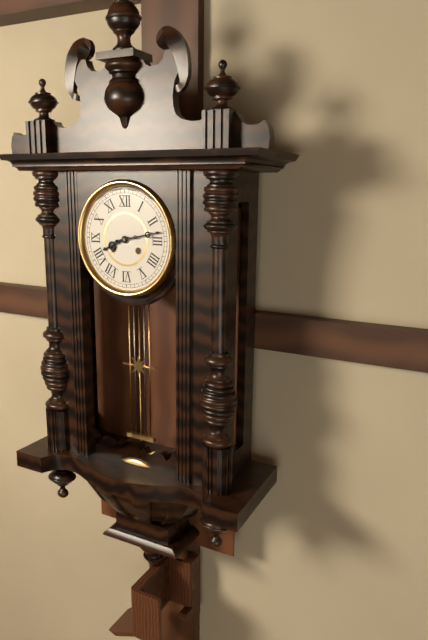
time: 8:13
